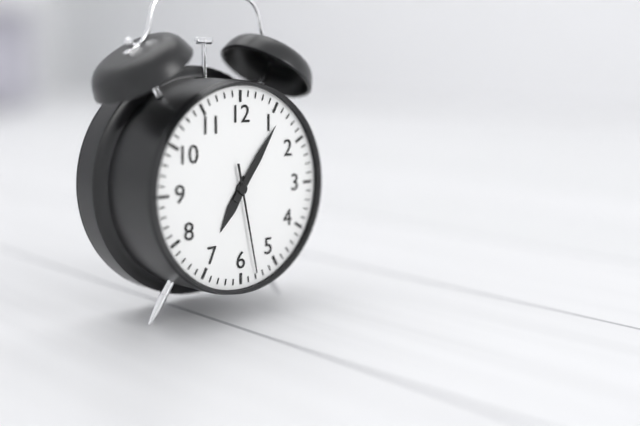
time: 7:06:28
